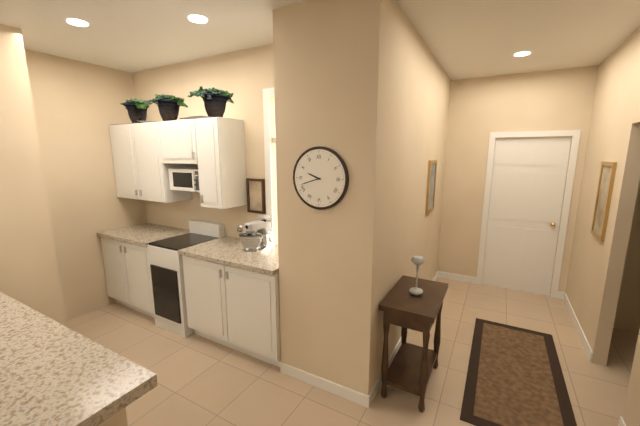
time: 9:42
